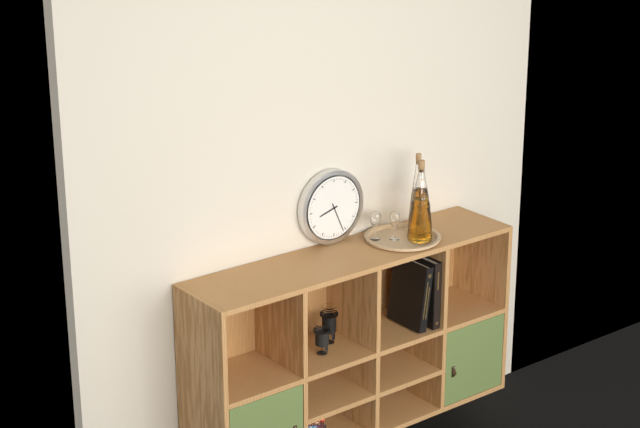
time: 8:26
